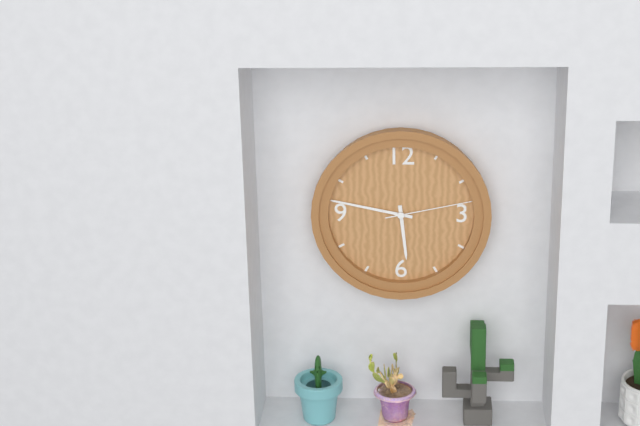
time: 5:47:13
